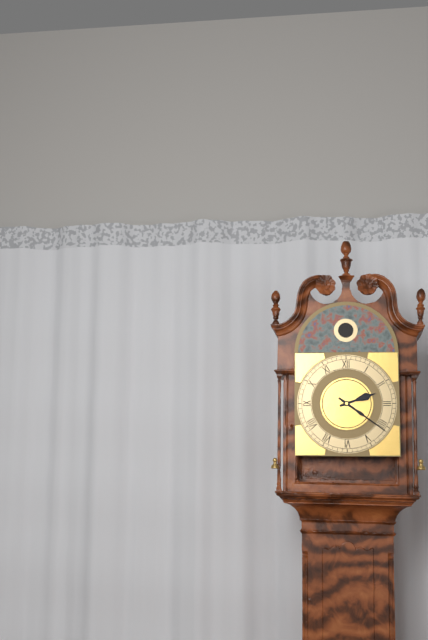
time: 2:21
